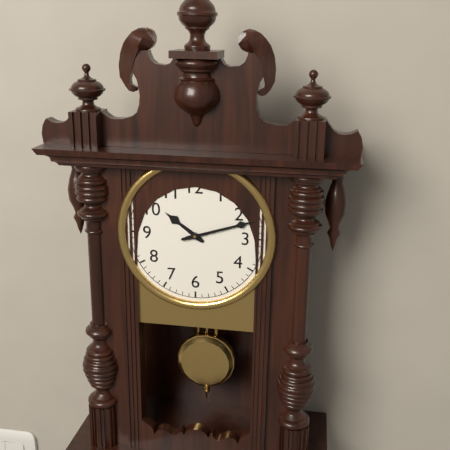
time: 10:12
